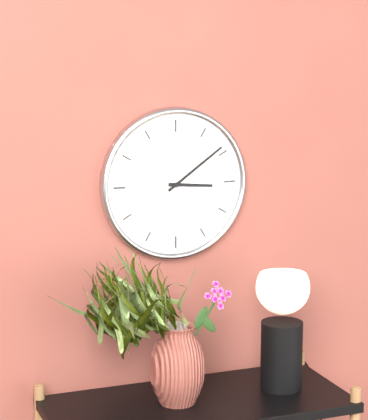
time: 3:09
